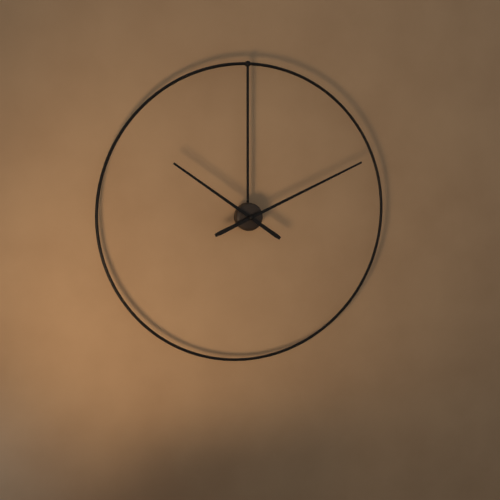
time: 10:11
